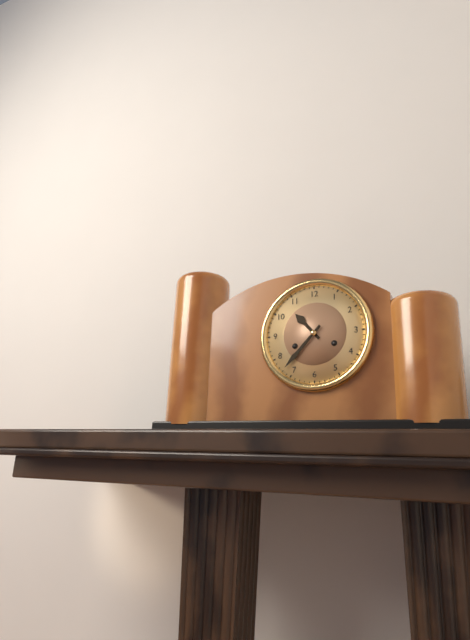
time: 10:37
